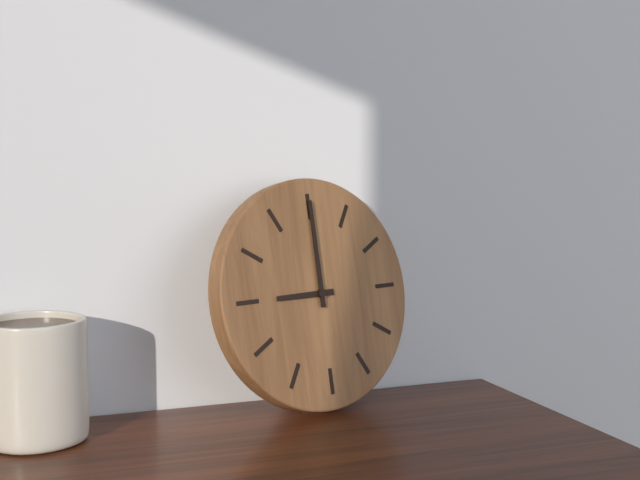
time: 9:00
